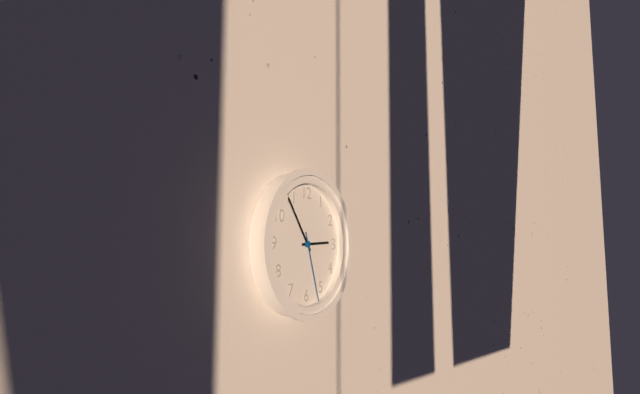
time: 2:54:27
